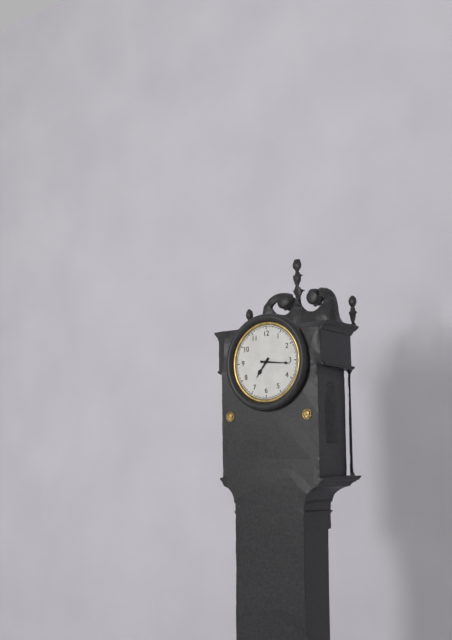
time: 7:16
